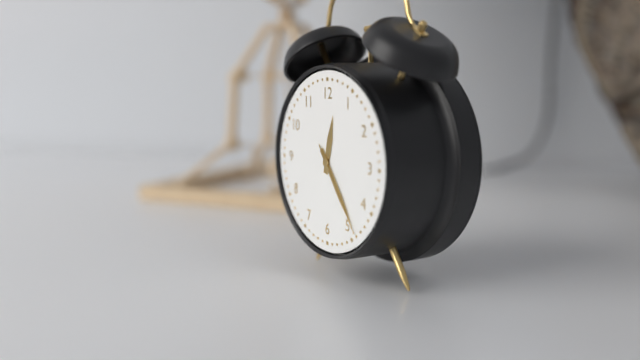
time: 12:24:24
